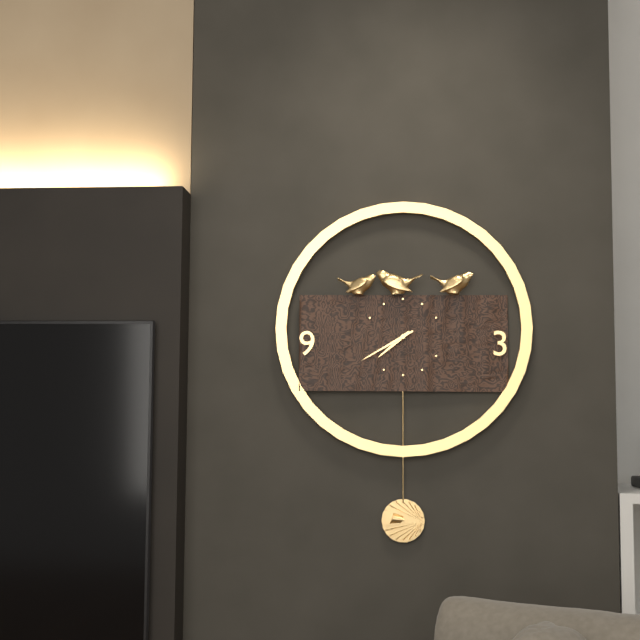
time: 7:40
